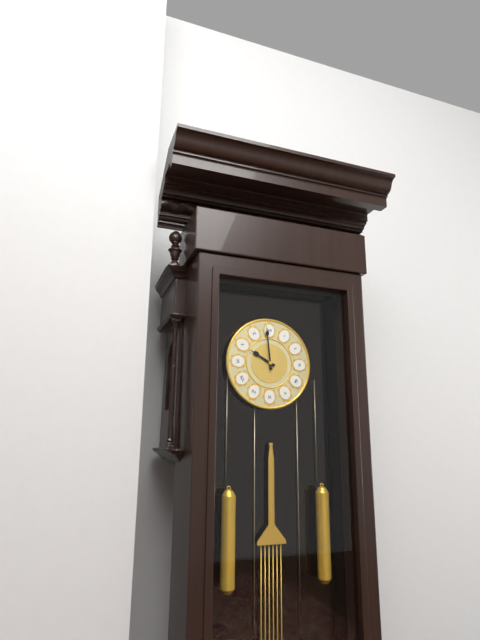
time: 9:59
